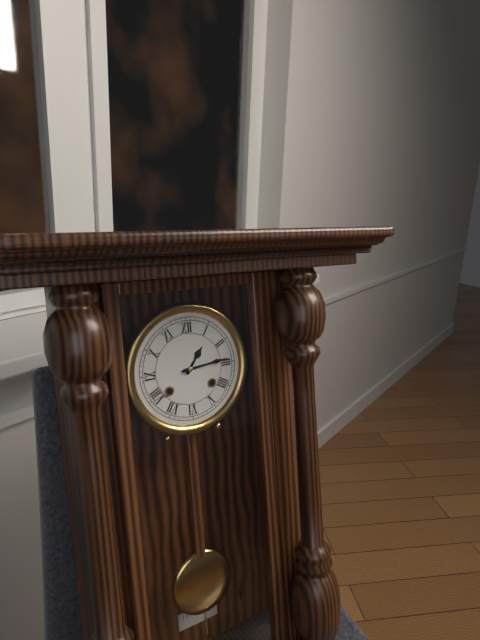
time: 1:14
